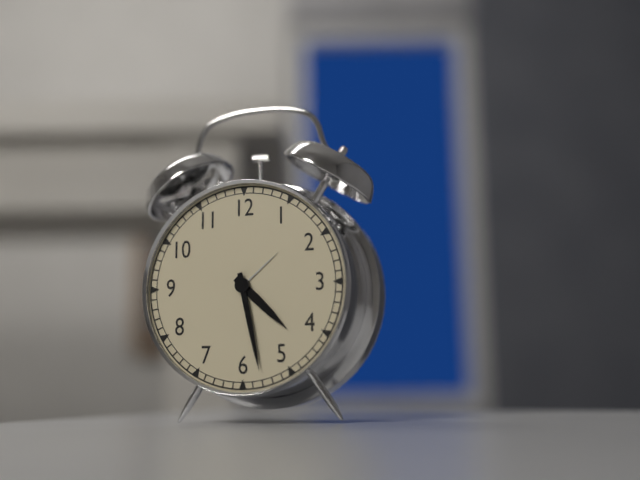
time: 4:28
